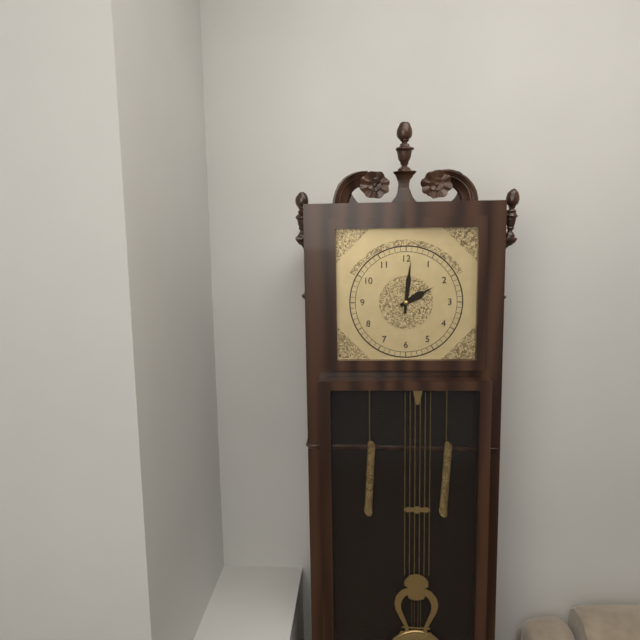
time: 2:01
